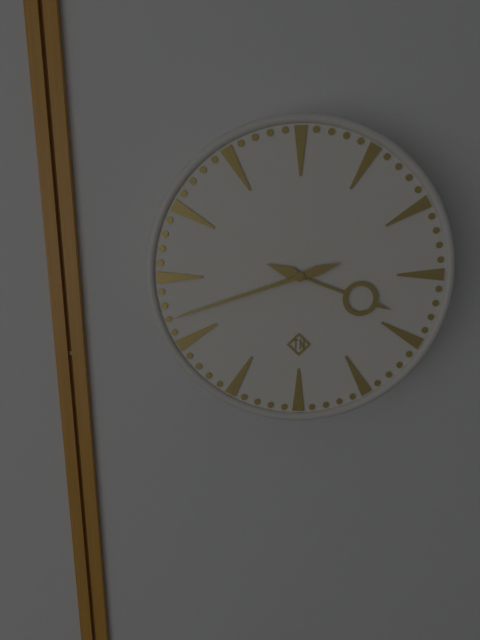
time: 3:42
